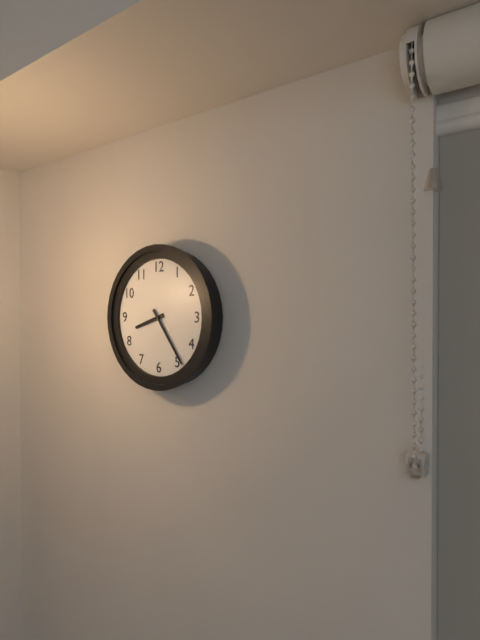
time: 8:24
